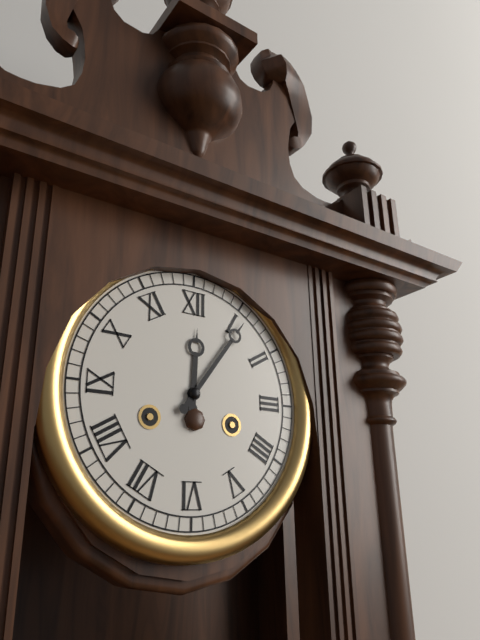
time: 12:06
